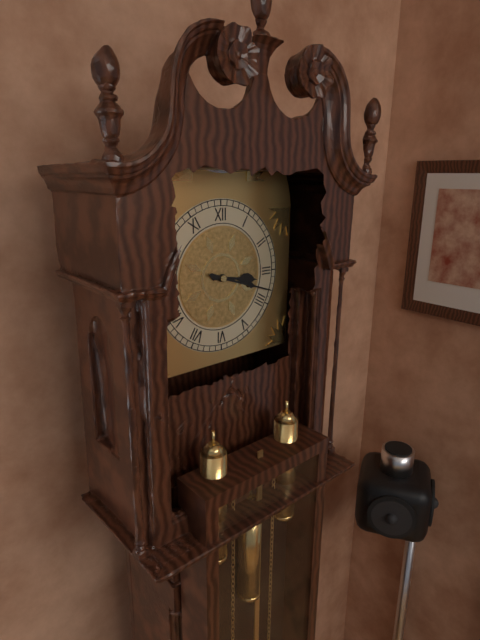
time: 3:18
